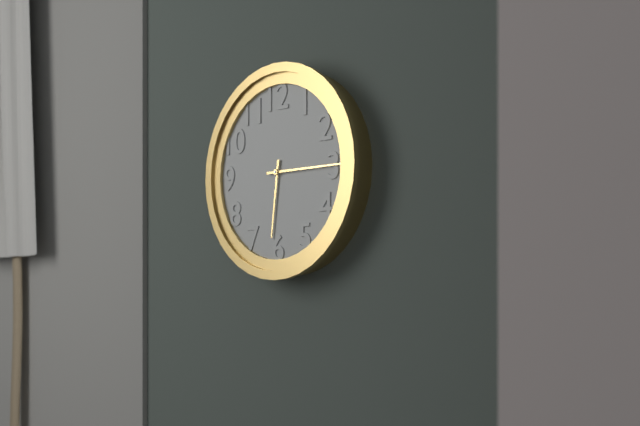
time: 6:15
